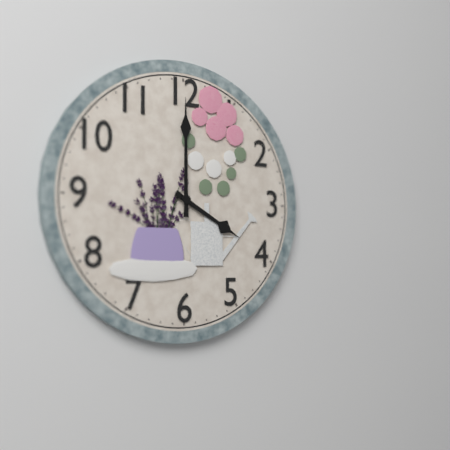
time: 4:00
